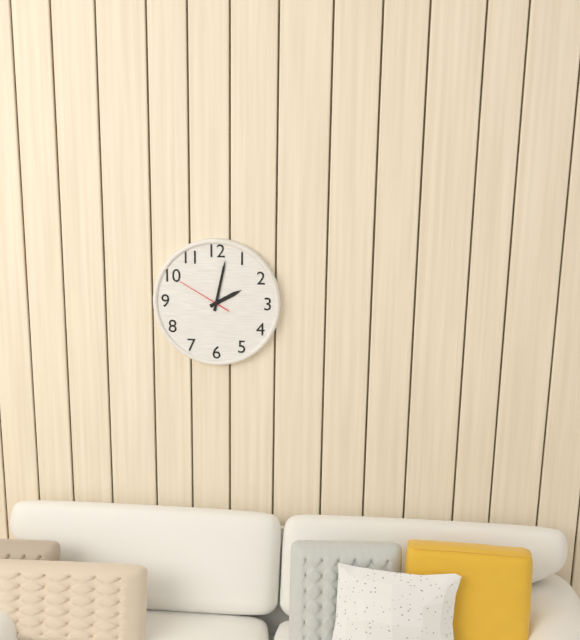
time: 2:02:50
